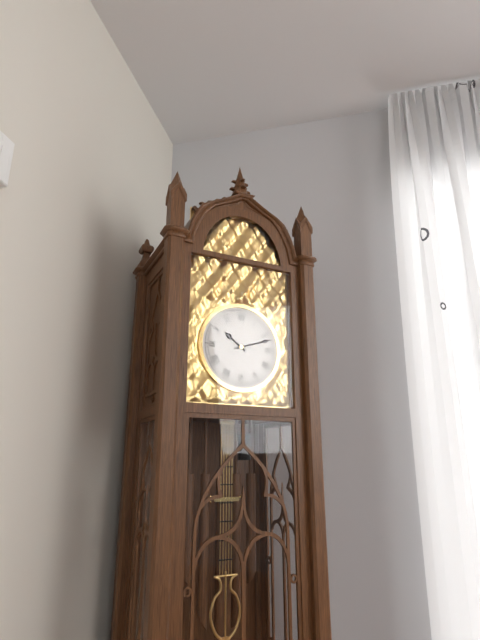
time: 10:12
